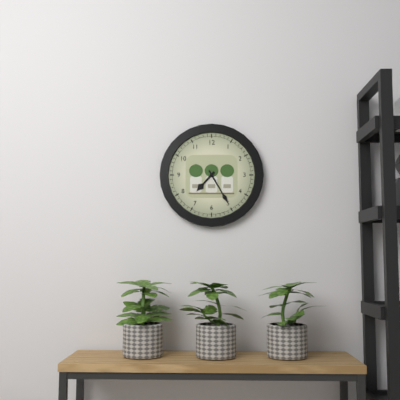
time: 7:25
